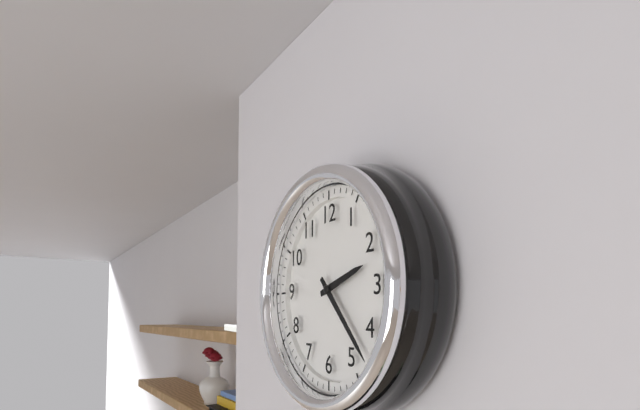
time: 2:23
